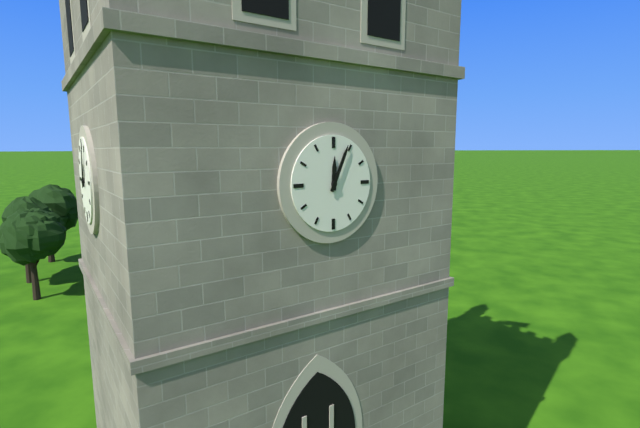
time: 12:04
